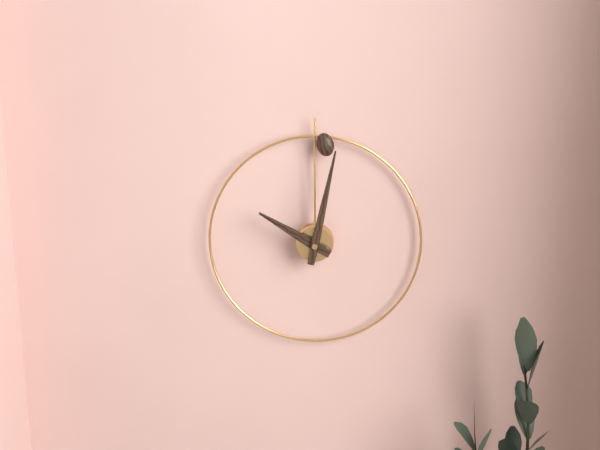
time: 10:02
